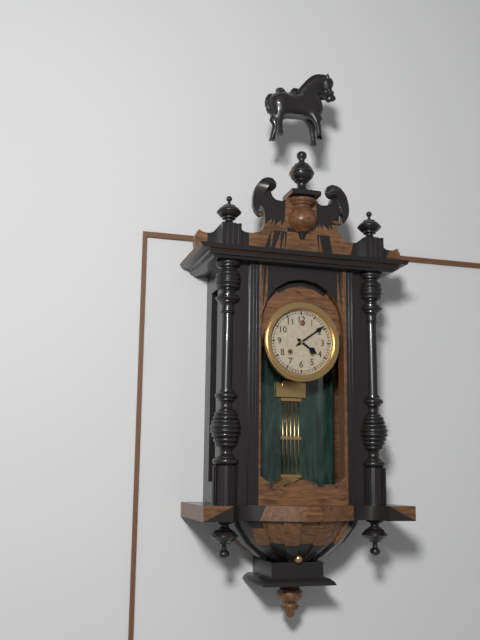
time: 4:09
